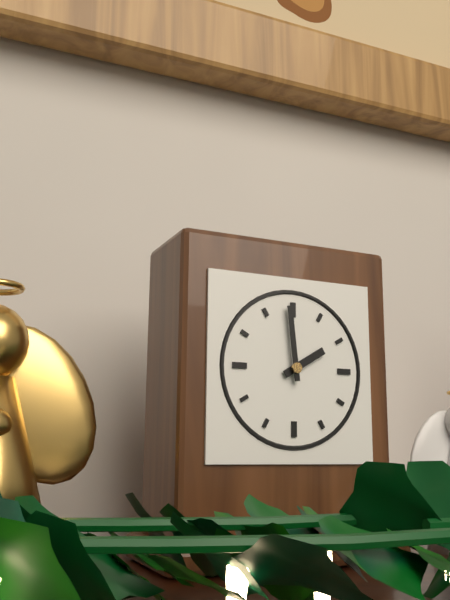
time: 1:59
